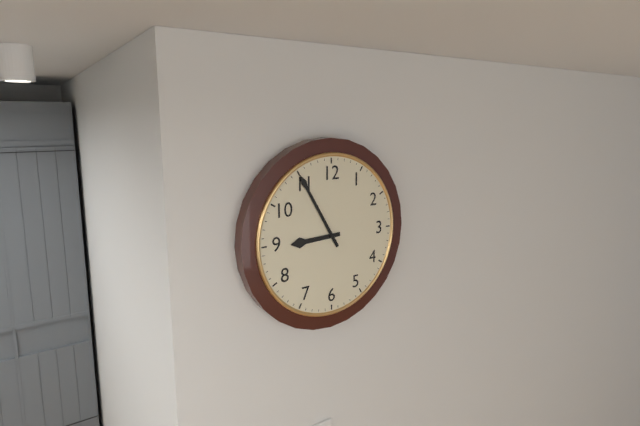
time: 8:55
